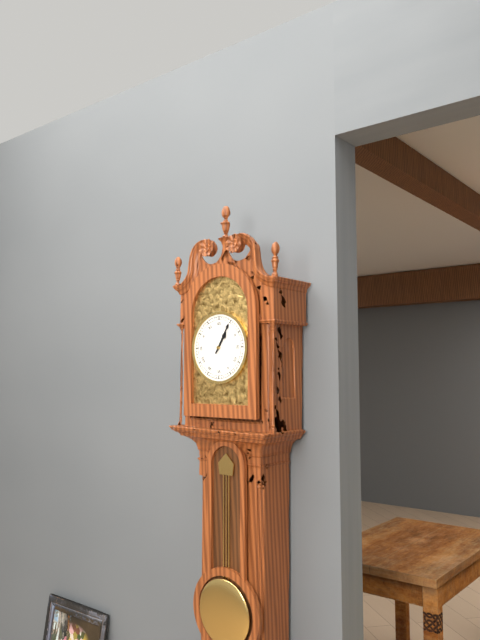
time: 1:05
